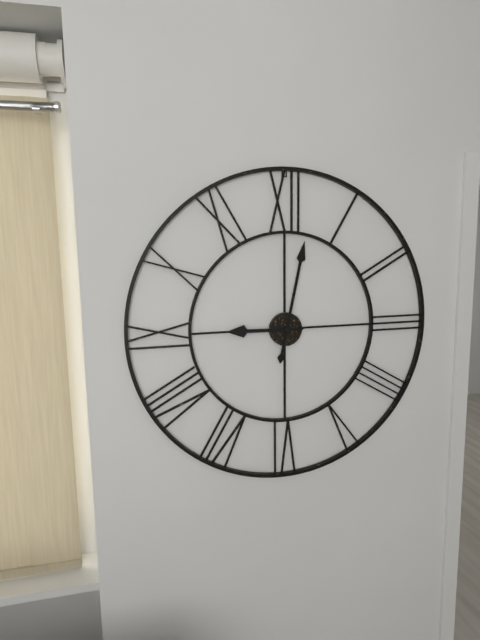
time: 9:02
